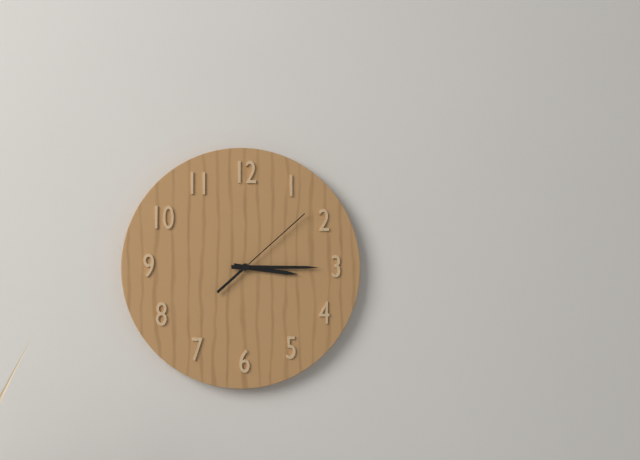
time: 3:15:08
